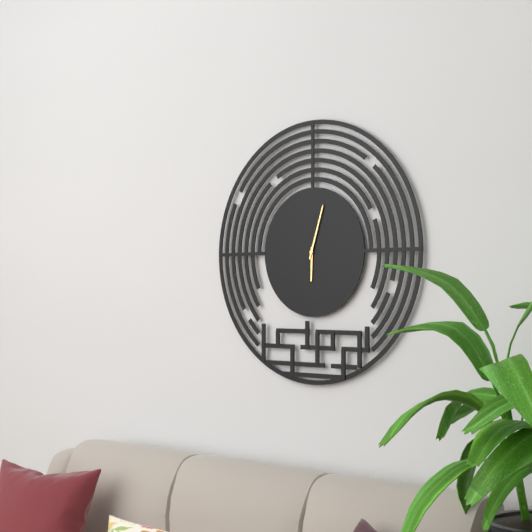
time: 6:03
